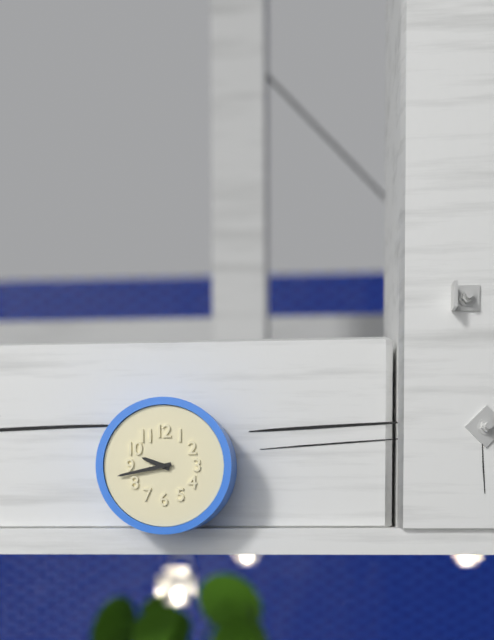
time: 9:43
